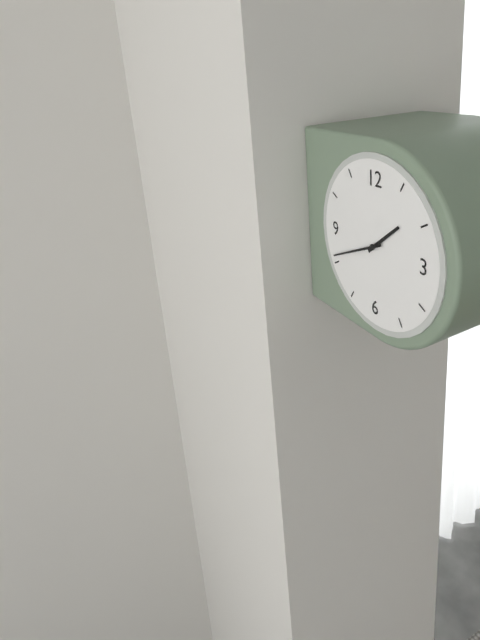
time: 1:41
